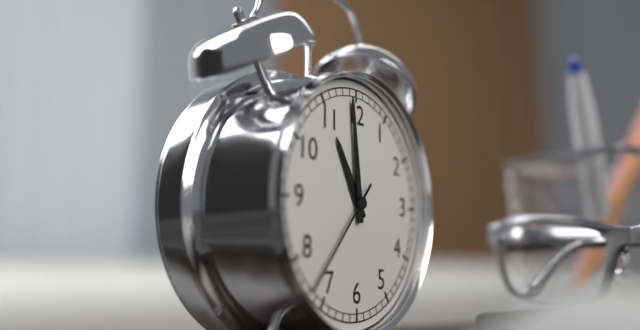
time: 10:59:37
